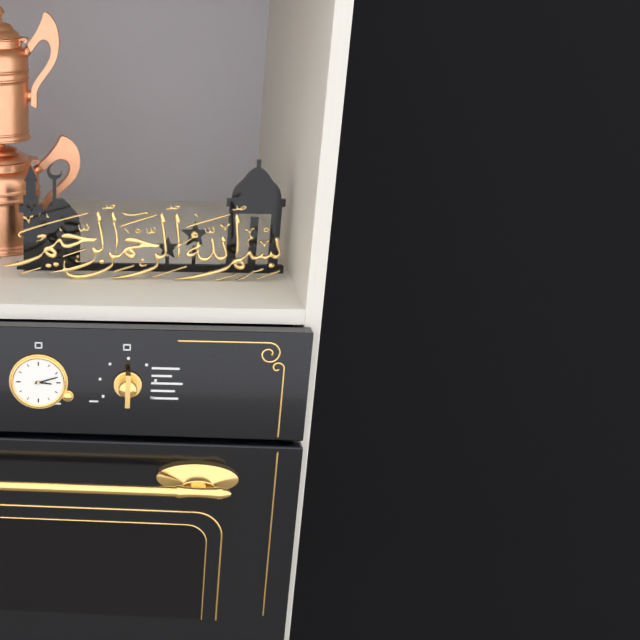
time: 3:12
